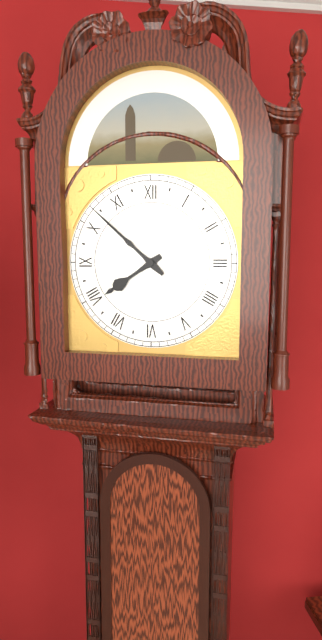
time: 7:52
